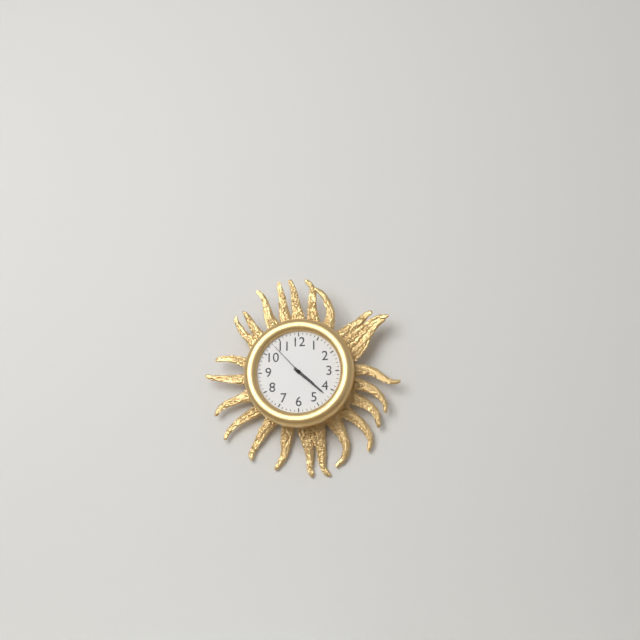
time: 4:22
